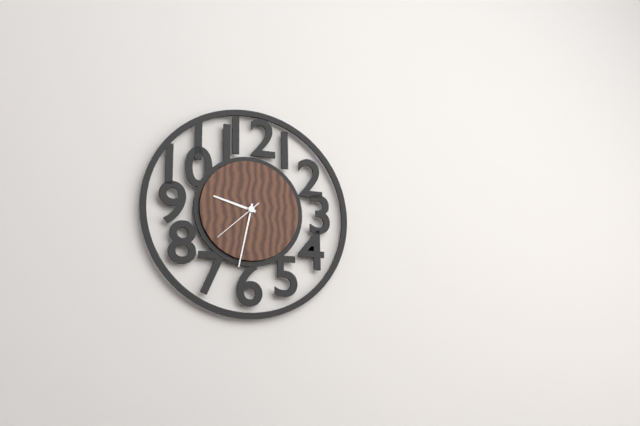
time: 9:32:38
